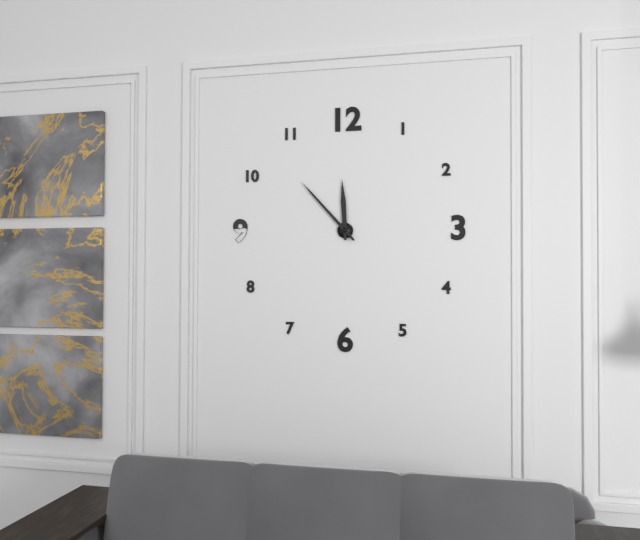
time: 11:53
